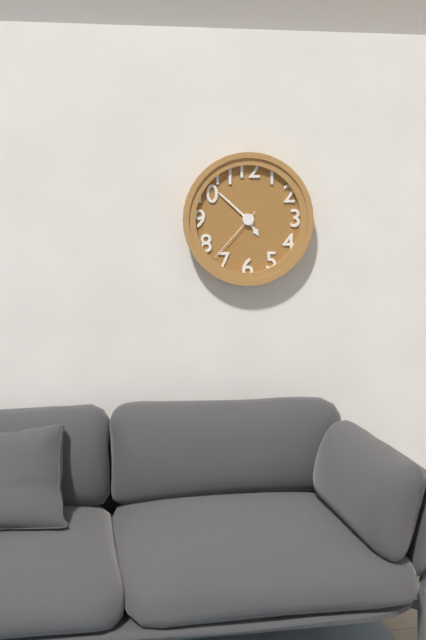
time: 4:52:37
